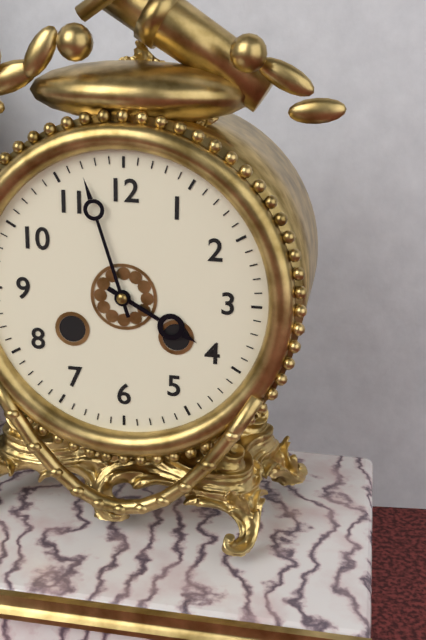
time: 3:57
